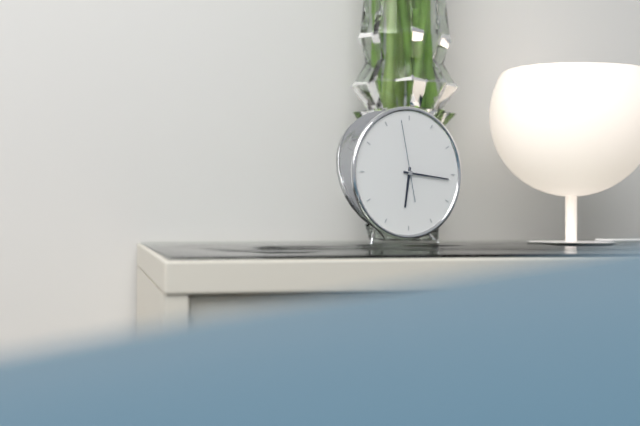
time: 6:16:58
